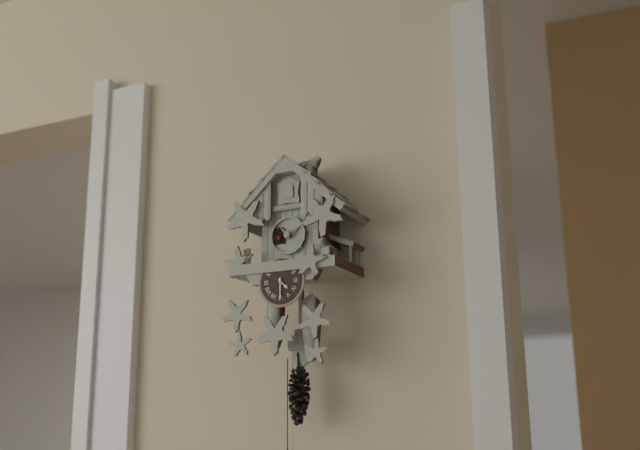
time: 4:30
